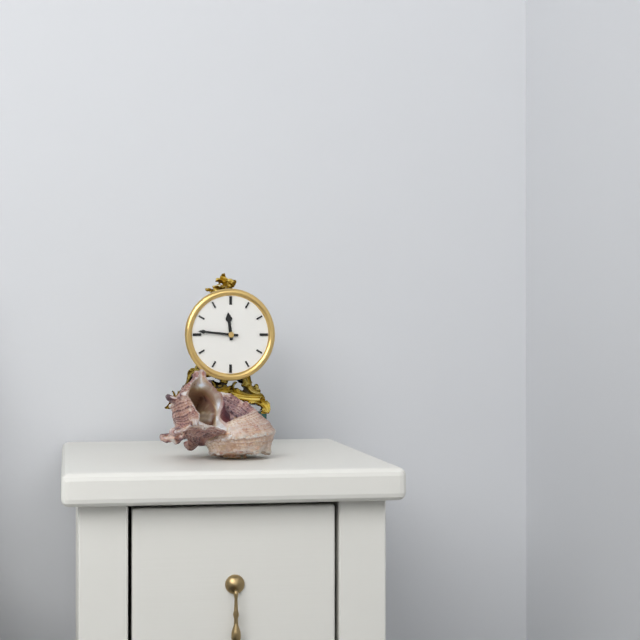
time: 11:46
